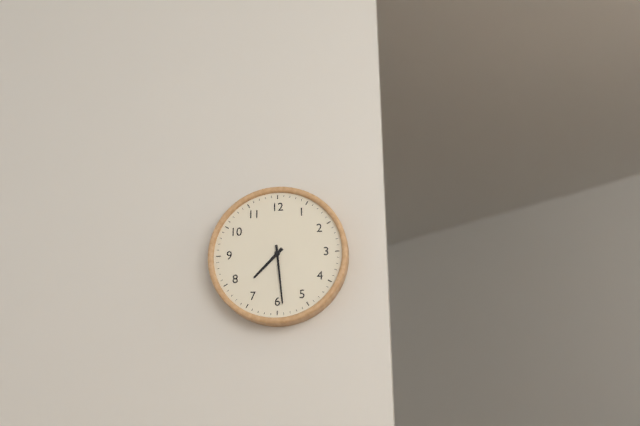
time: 7:29
